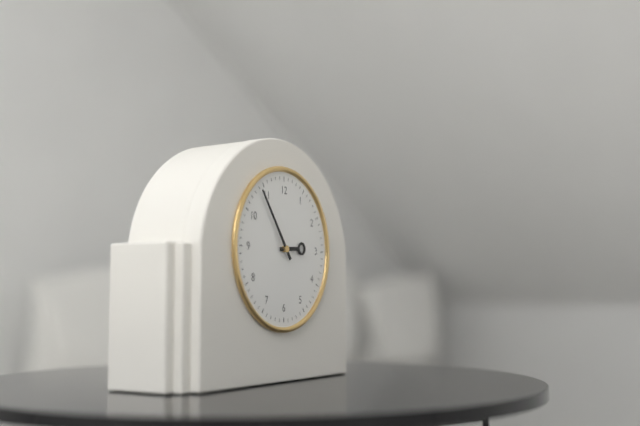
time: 2:54
